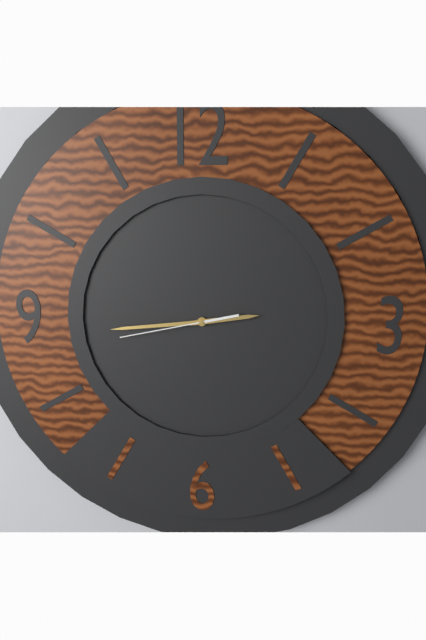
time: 2:44:43
